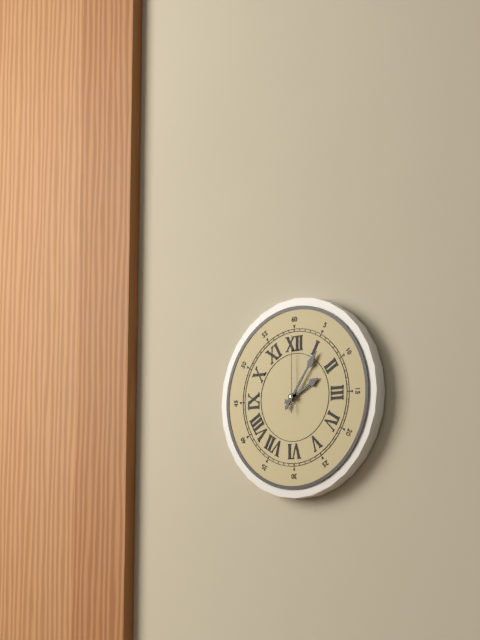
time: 2:06:00
